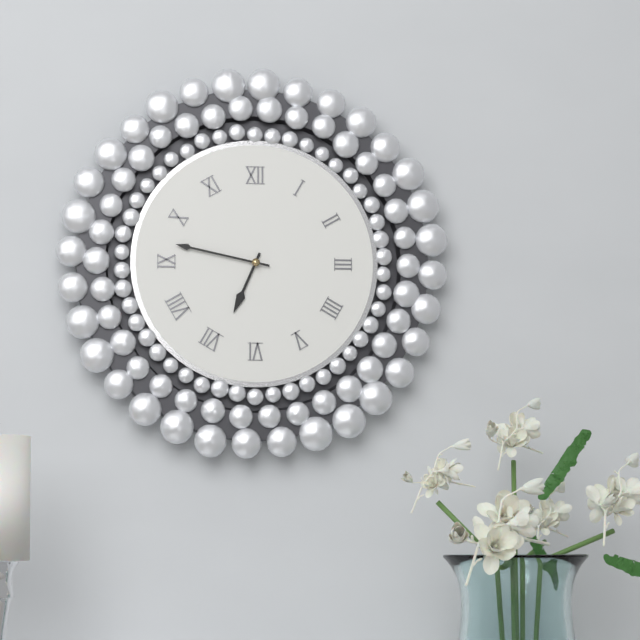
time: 6:47
